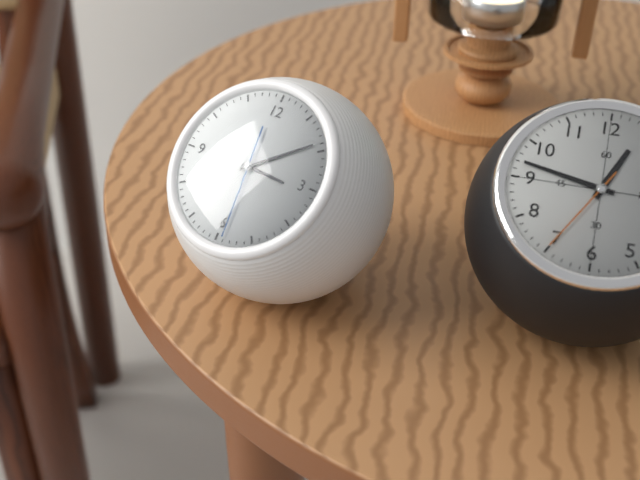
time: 3:09:29
